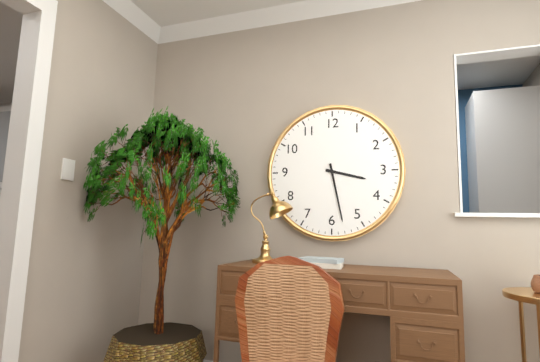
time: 3:28
